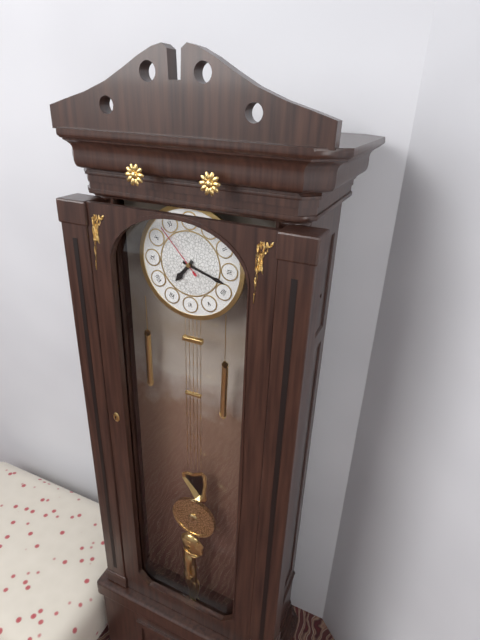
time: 7:18:53
